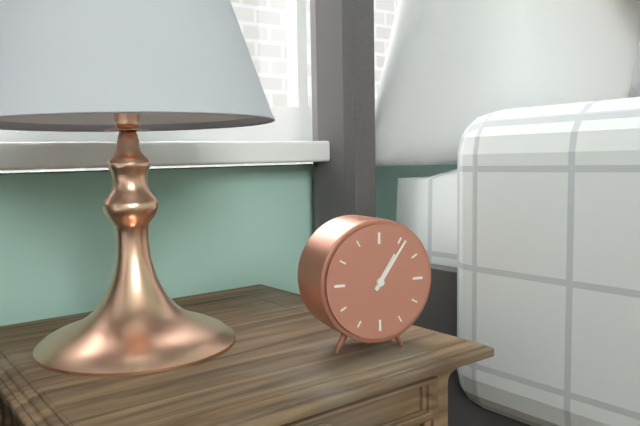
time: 1:06
